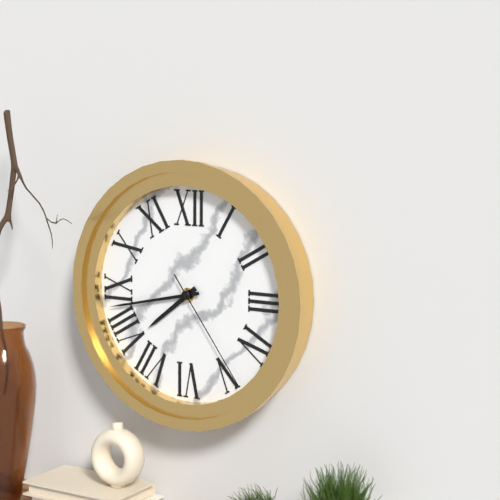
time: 7:43:24
